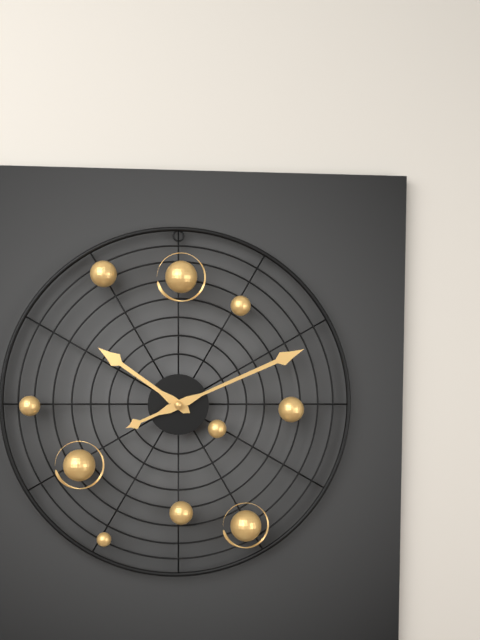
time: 10:11
